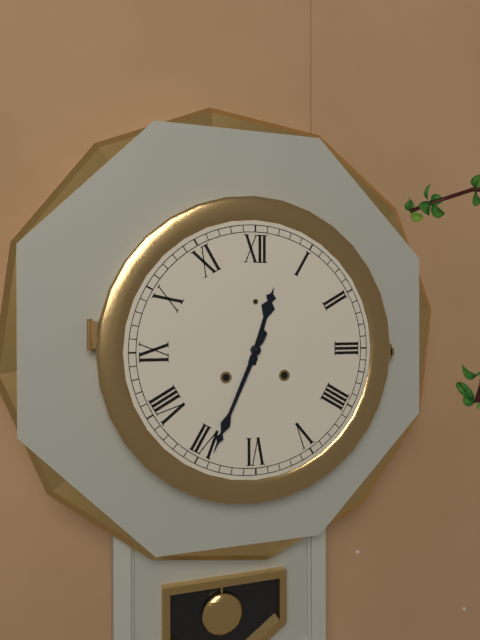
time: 12:34
